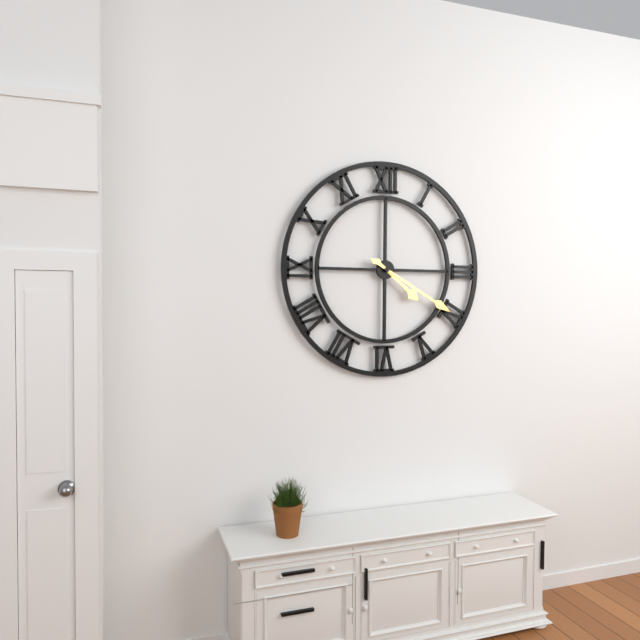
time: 4:20
